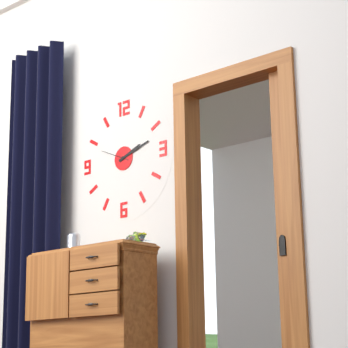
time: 2:12
